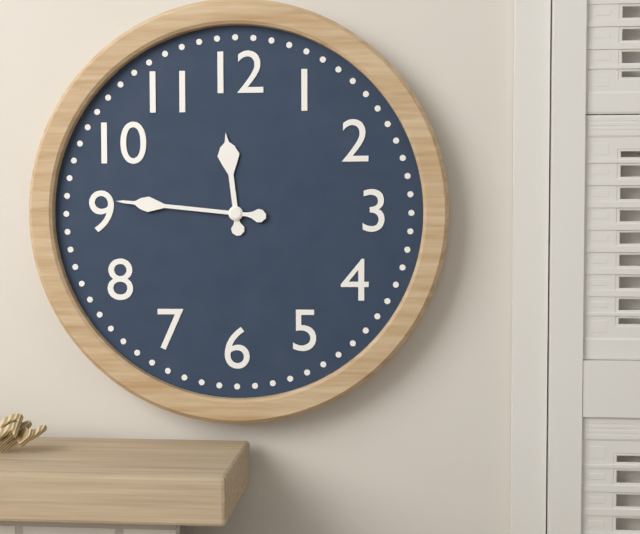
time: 11:46
